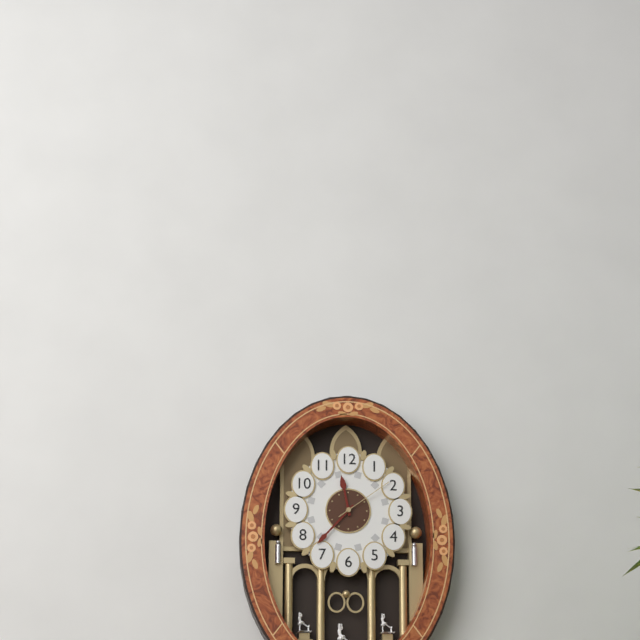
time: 11:37:09
